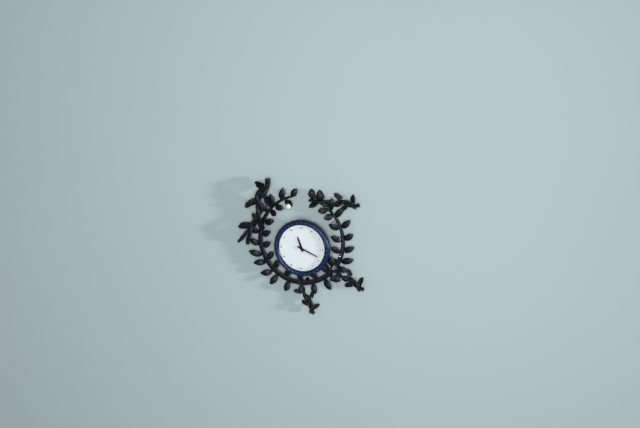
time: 11:19
